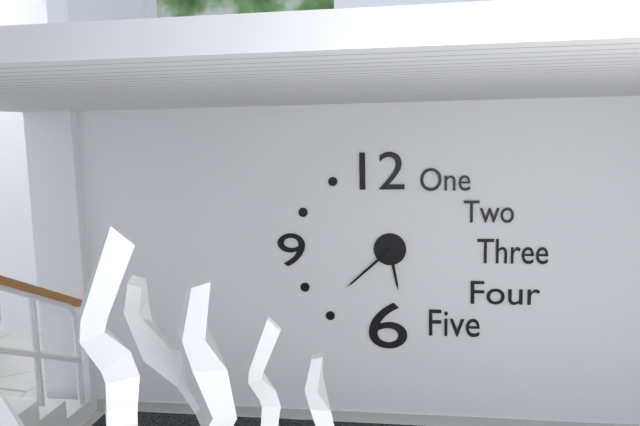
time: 5:38
